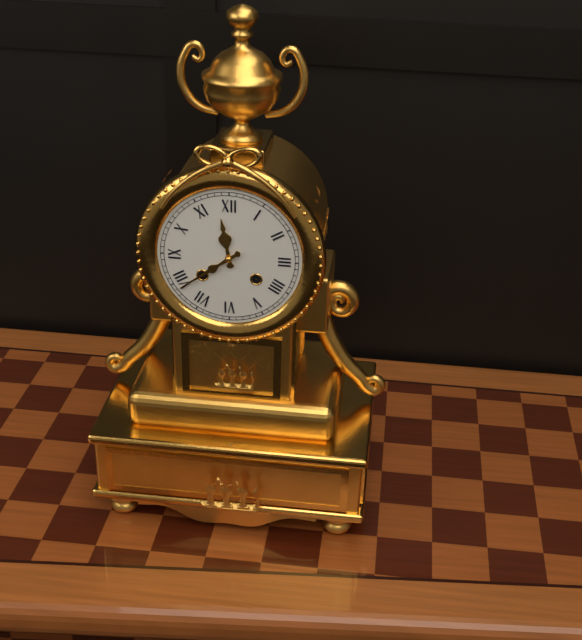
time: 11:39
